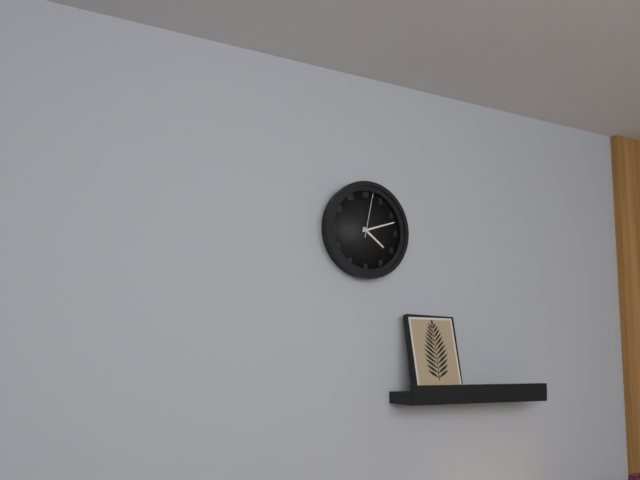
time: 4:12:02
